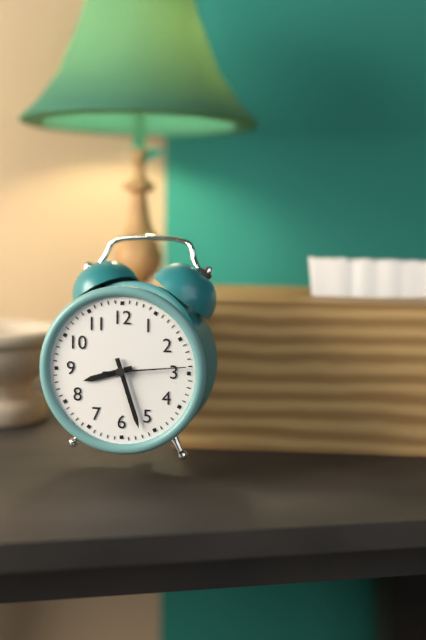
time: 8:27:14
